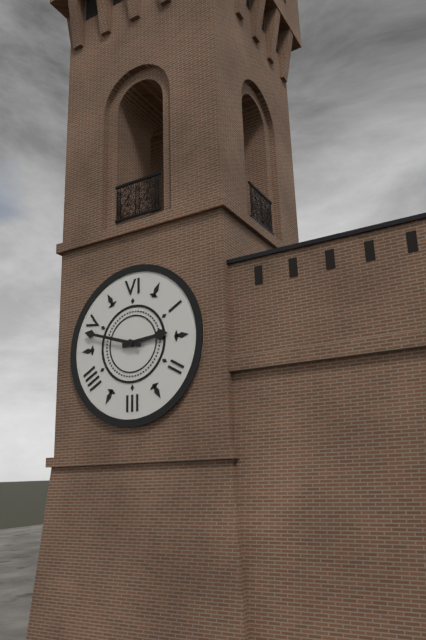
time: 2:48
